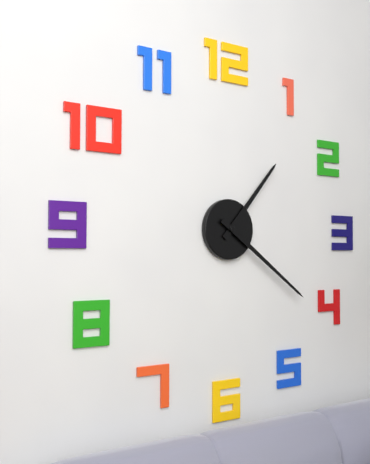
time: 1:21
